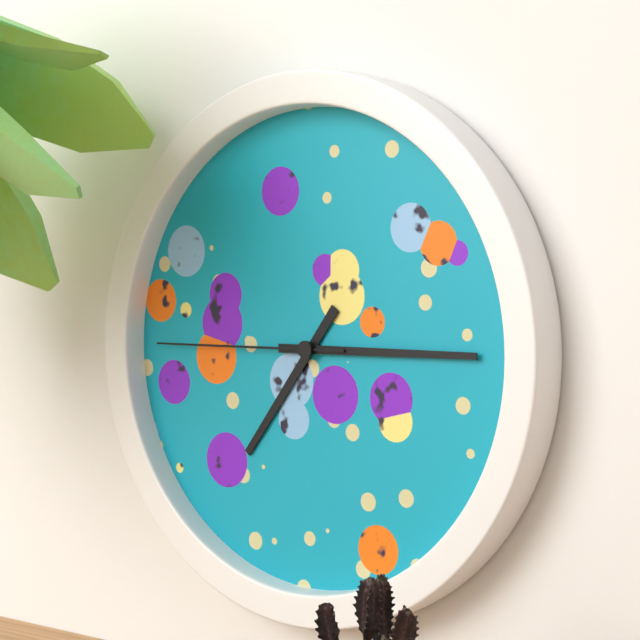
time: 7:15:45
